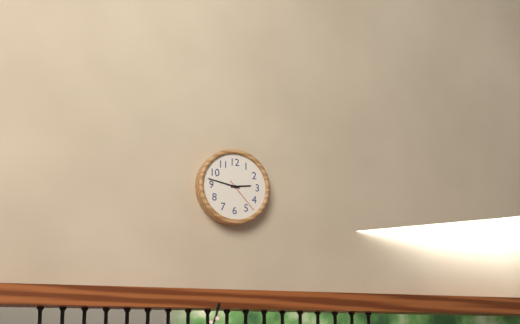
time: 2:47
